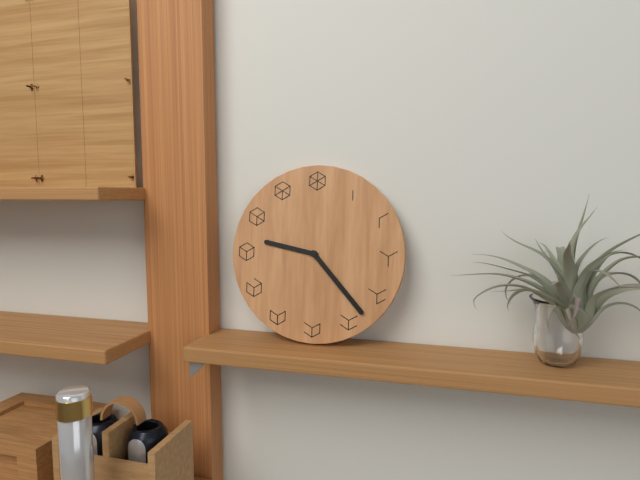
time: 9:23
